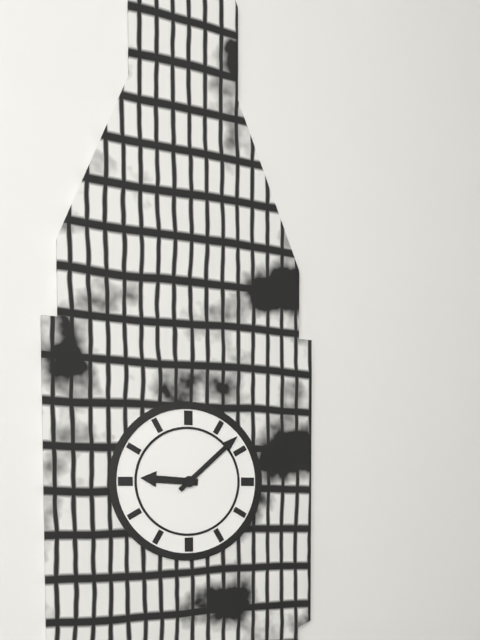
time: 9:08
